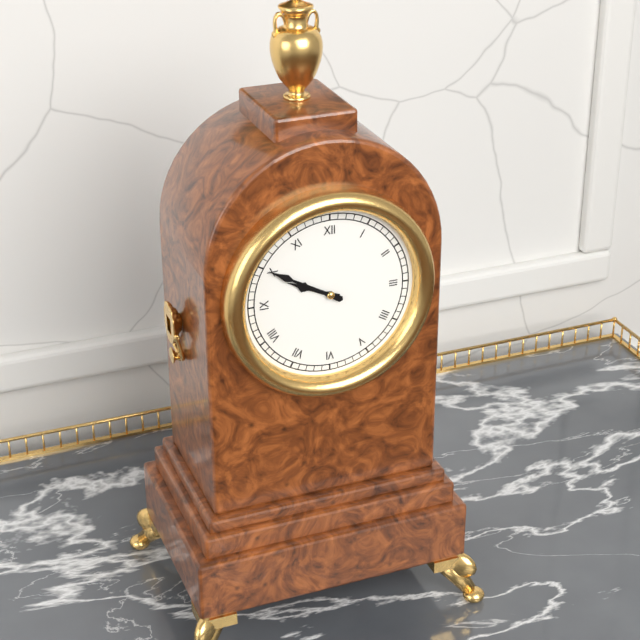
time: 9:50
